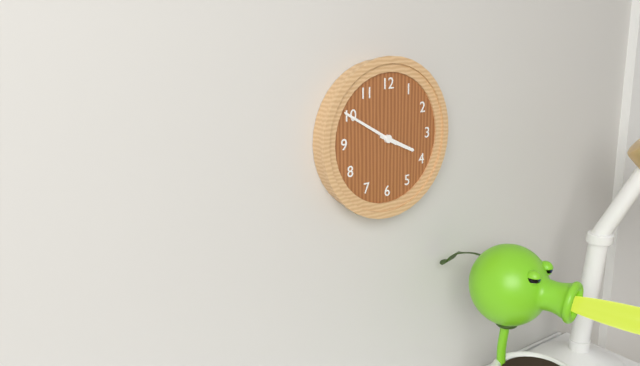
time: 3:50
